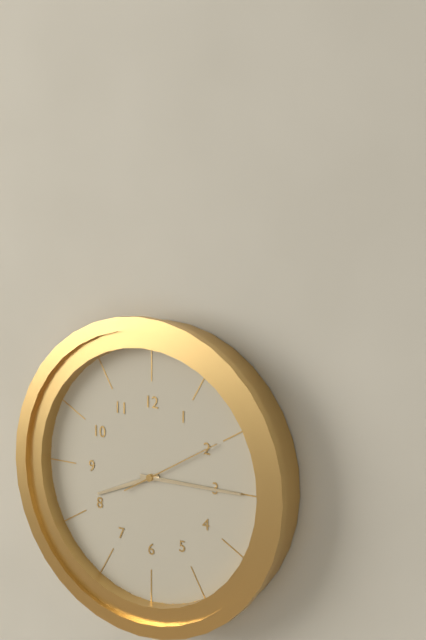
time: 8:15:10
